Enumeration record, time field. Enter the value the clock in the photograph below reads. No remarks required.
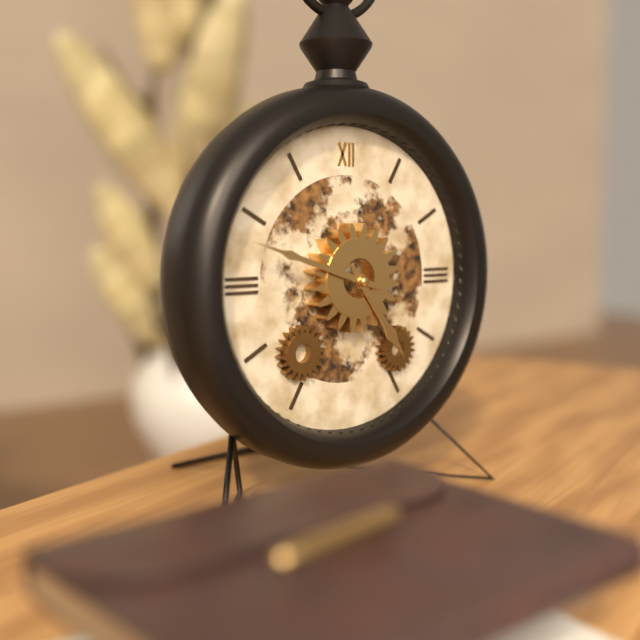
4:48
